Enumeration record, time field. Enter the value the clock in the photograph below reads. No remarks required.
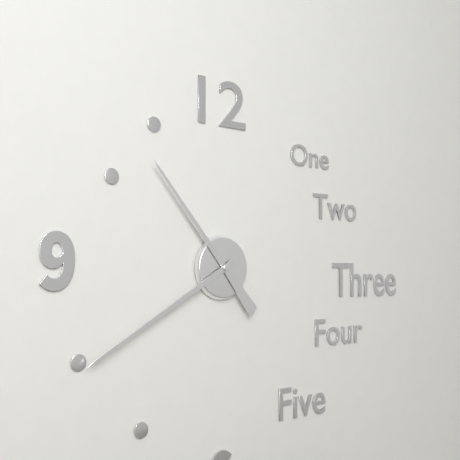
10:40
